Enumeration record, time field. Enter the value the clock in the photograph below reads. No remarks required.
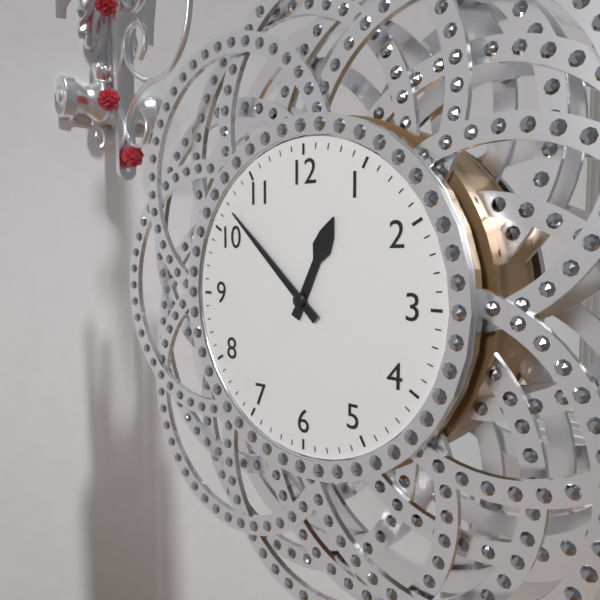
12:52
